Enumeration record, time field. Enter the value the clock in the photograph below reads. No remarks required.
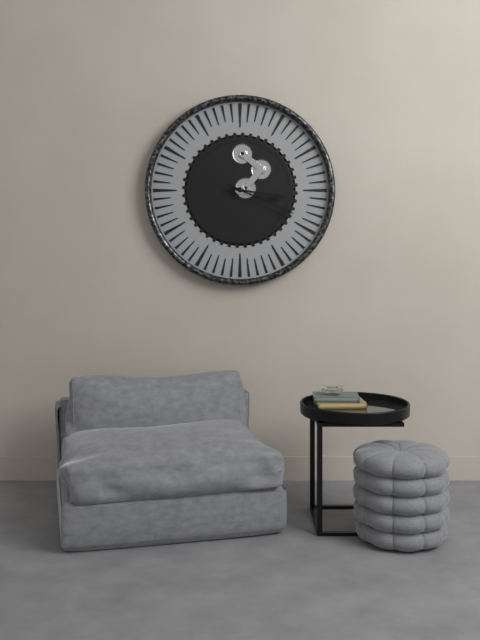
3:19
